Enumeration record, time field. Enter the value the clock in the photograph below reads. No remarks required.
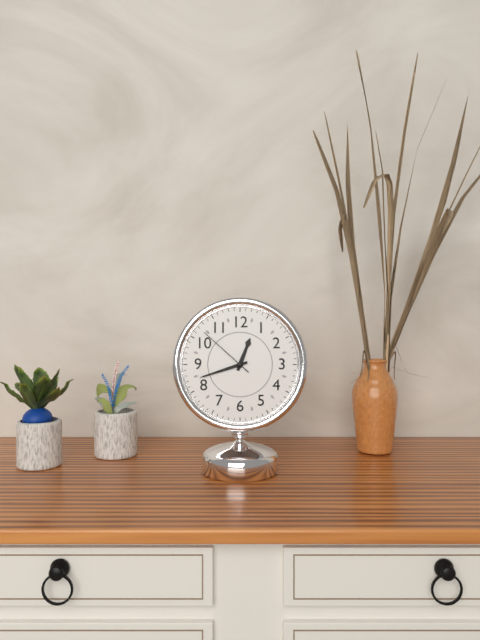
12:42:52
